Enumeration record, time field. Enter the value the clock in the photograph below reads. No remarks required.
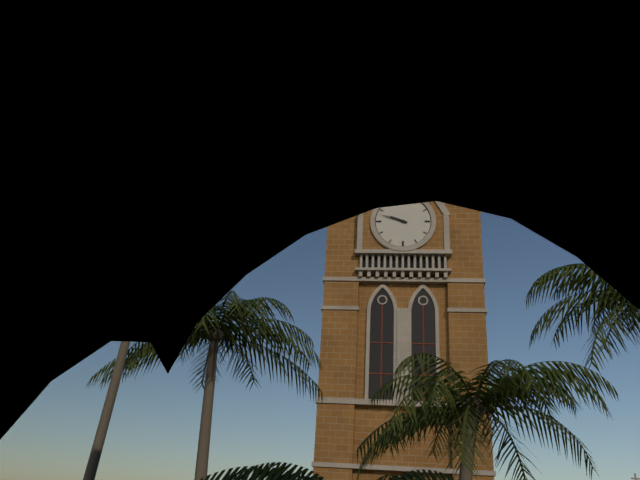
9:48
